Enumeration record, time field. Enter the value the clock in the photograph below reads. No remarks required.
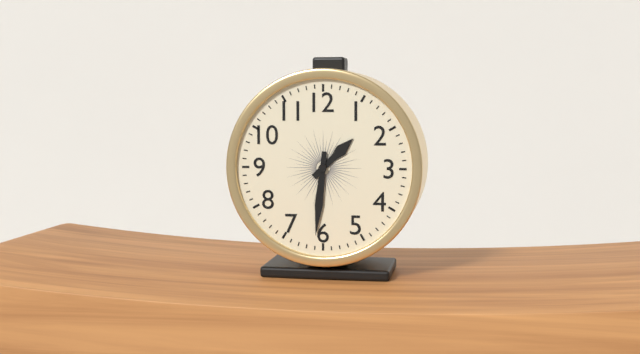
1:31
